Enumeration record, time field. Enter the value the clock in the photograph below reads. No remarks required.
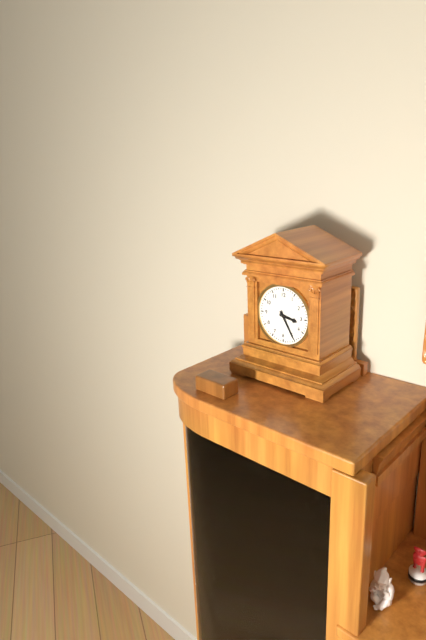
3:25
